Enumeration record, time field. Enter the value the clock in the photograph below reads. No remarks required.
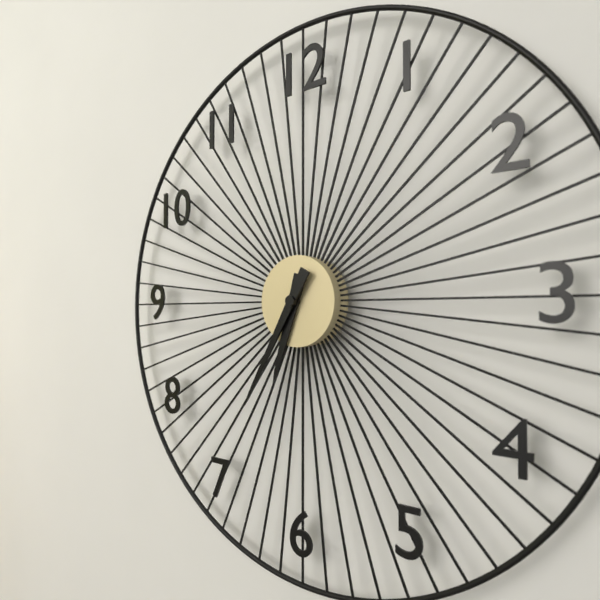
6:35
